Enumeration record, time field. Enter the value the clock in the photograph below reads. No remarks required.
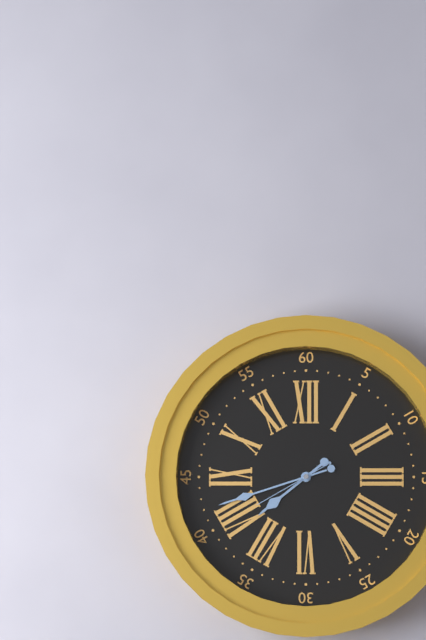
7:42:40
